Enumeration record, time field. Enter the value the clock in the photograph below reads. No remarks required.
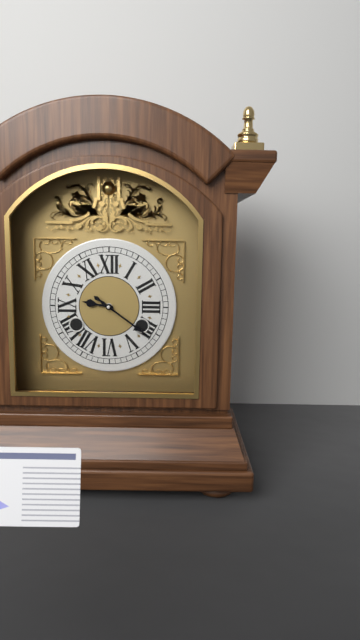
9:21
